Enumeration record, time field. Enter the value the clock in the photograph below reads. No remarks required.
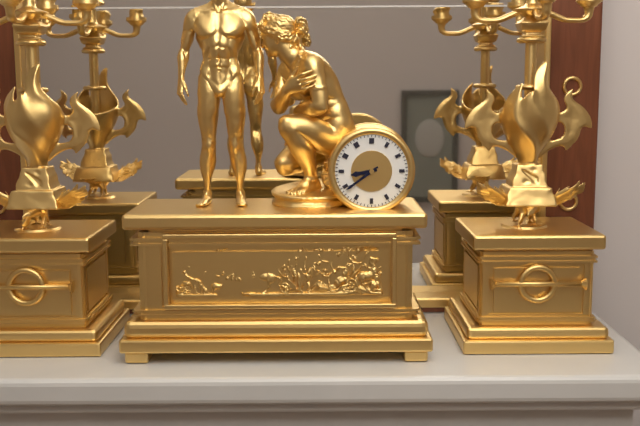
8:39
